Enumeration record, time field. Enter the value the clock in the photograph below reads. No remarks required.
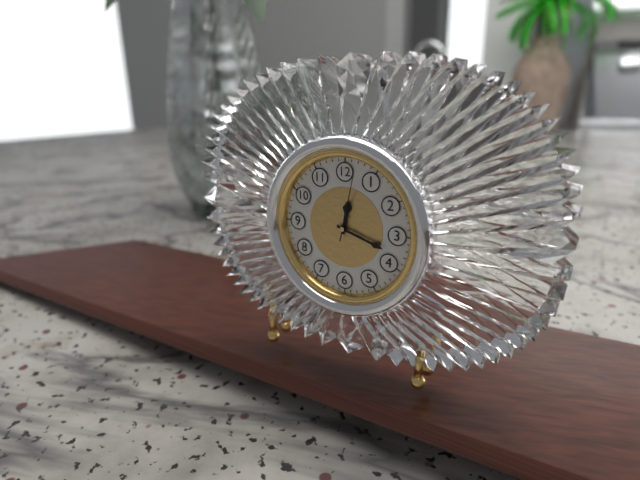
12:18:02
